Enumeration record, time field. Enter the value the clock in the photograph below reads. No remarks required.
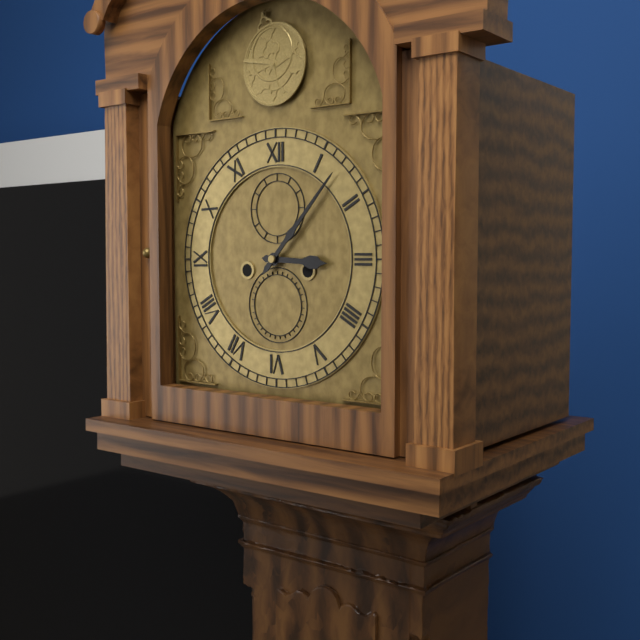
3:07
